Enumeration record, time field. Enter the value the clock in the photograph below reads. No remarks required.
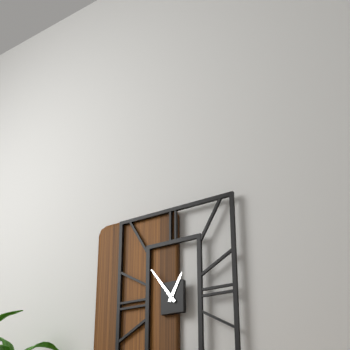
12:54
